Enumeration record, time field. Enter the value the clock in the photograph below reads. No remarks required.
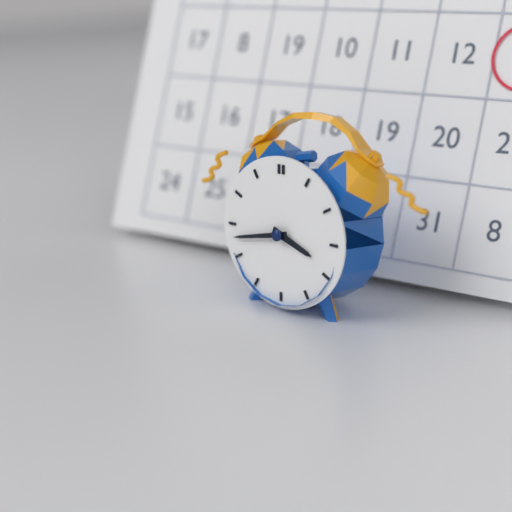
3:43
